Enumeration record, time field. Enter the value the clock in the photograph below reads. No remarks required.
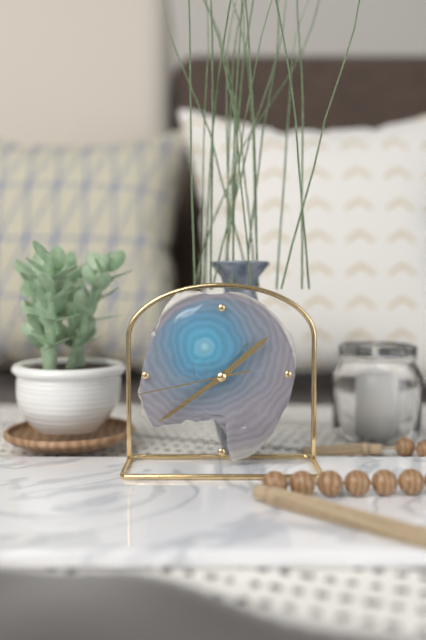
1:39:43
